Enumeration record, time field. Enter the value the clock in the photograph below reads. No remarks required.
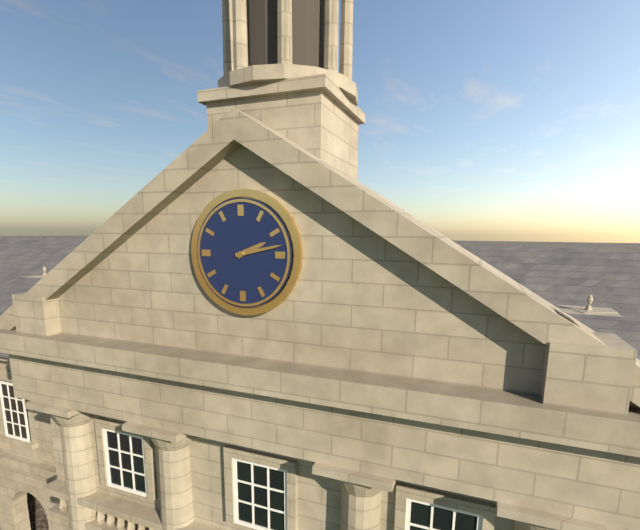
2:13
